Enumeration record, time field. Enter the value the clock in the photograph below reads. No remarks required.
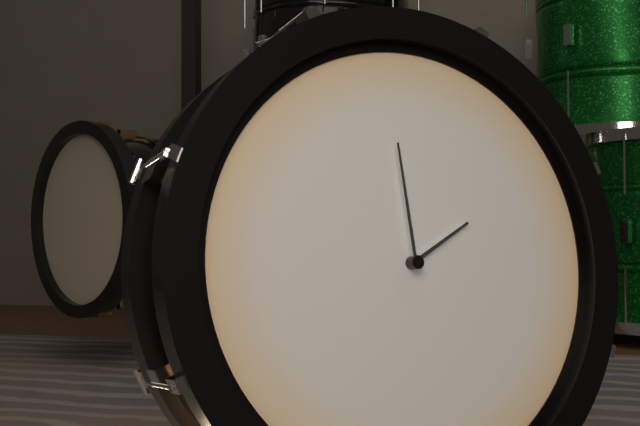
1:59
